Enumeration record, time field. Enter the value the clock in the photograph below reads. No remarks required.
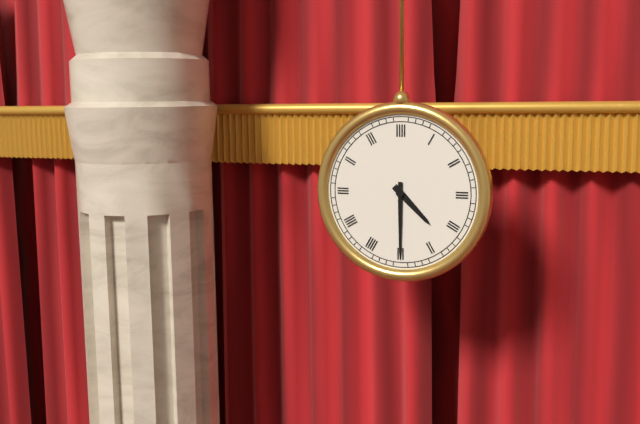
4:30
